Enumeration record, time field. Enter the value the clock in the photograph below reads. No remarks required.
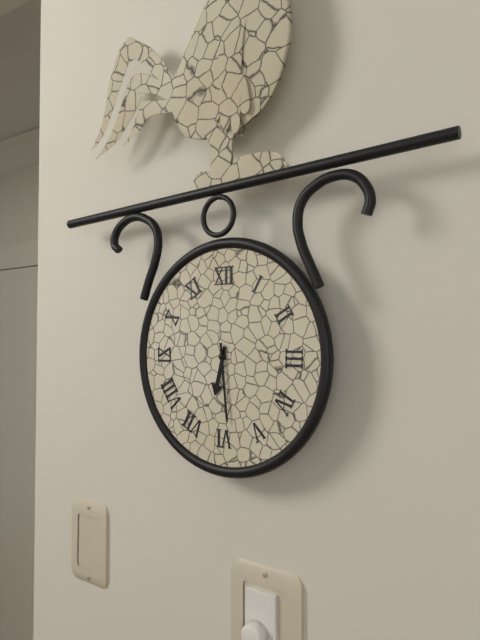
6:29
